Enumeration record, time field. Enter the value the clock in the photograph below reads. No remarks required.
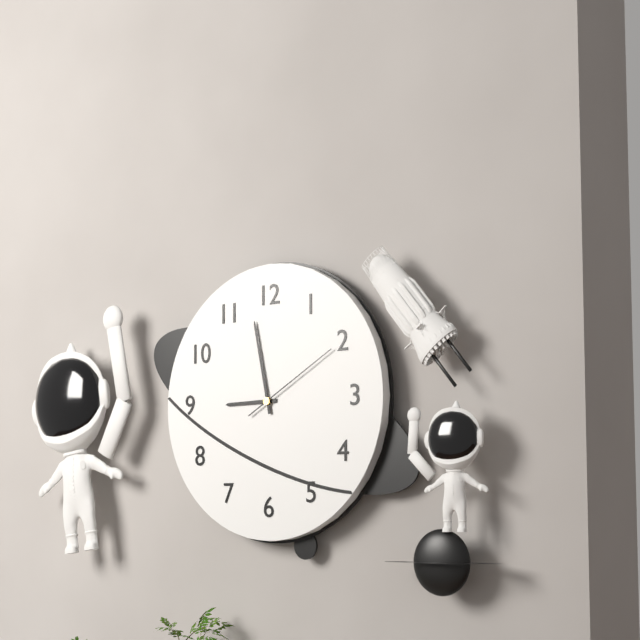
8:58:10
